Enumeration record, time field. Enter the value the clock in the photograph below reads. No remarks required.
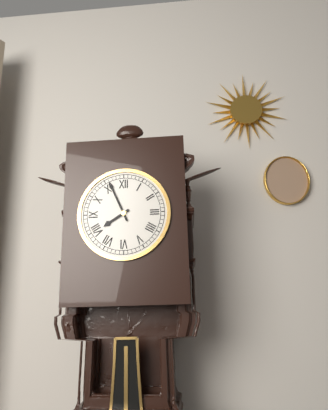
7:56
